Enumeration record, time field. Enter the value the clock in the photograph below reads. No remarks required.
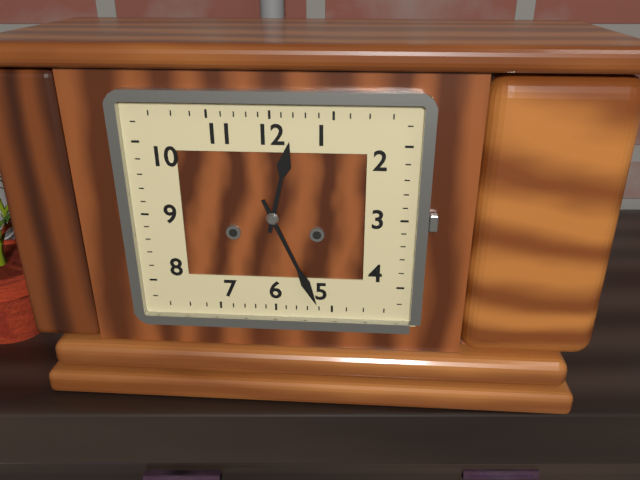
12:26
